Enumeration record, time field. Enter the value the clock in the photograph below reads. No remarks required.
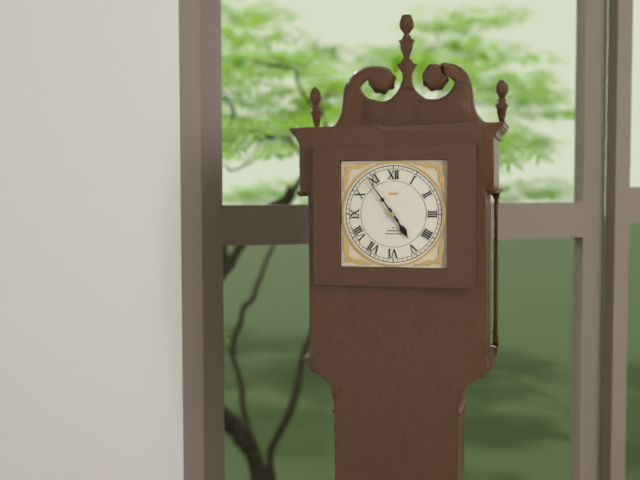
4:54
